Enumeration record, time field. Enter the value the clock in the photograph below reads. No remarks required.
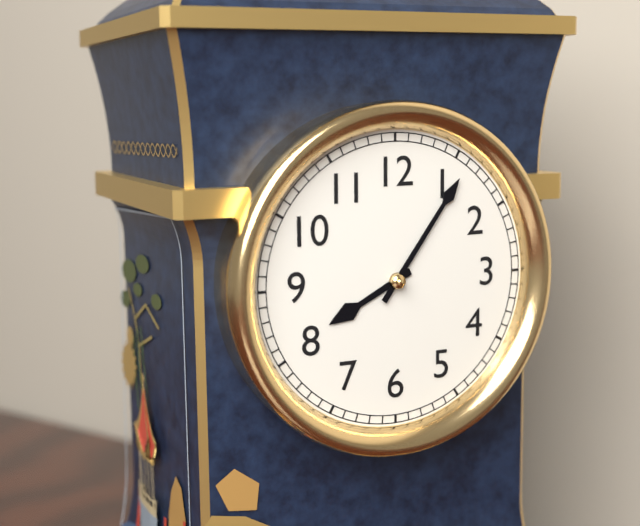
8:06
